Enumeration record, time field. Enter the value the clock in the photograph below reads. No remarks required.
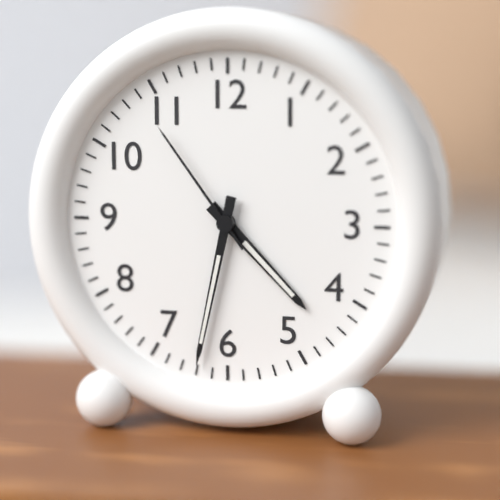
4:32:54
